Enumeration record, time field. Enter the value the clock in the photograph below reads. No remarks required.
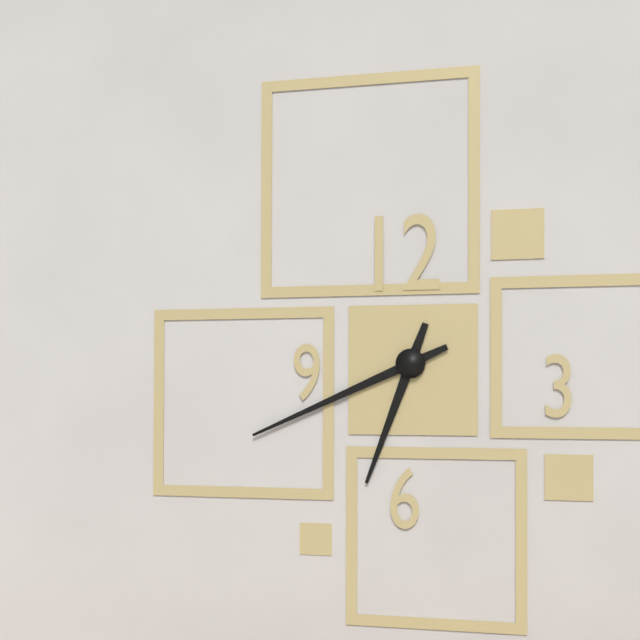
6:41
